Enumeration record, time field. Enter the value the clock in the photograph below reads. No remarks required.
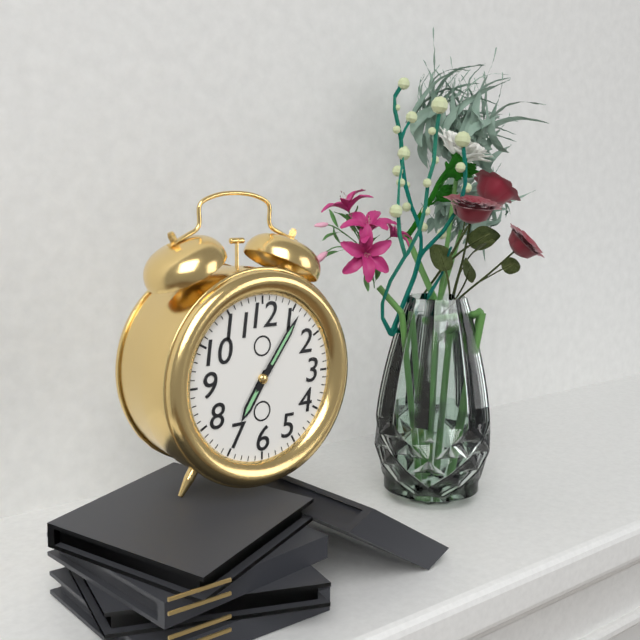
7:06
